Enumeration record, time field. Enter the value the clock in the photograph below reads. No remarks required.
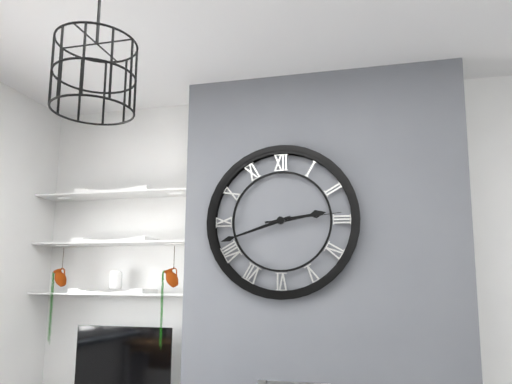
2:42:14
